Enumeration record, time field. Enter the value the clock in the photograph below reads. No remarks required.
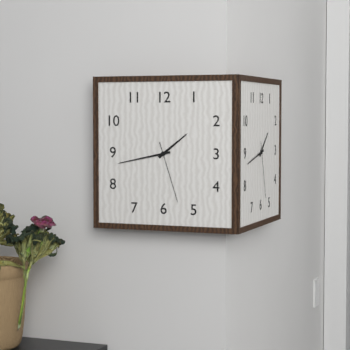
1:43:27
